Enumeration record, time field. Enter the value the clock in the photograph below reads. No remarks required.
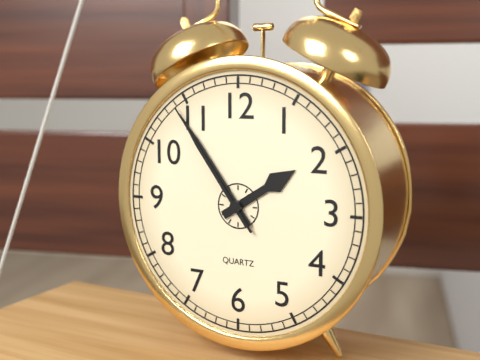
1:54:54
